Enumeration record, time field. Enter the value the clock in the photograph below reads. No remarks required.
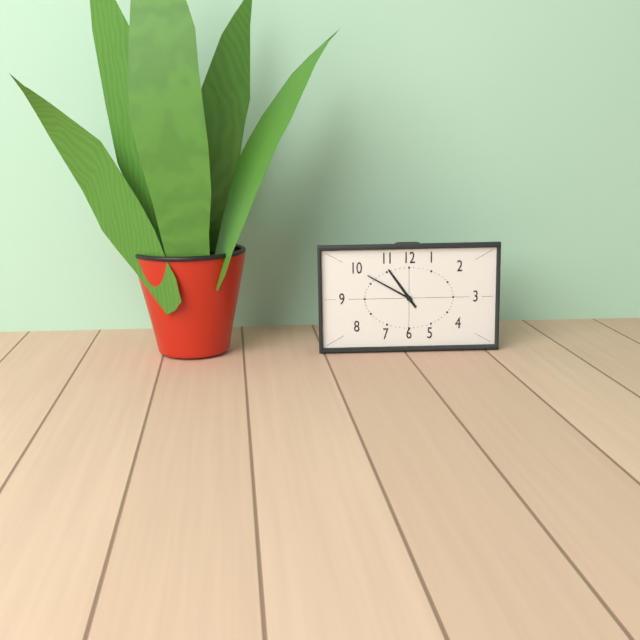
10:50
